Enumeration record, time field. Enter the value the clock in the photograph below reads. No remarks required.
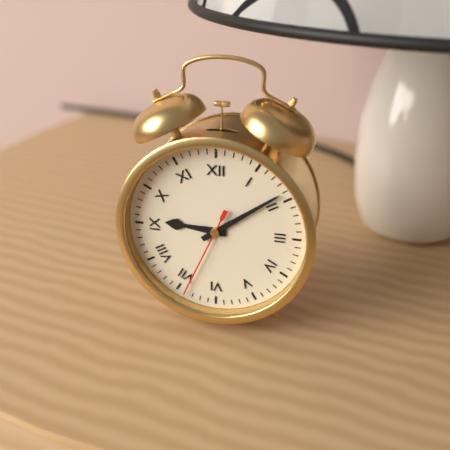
9:09:34
